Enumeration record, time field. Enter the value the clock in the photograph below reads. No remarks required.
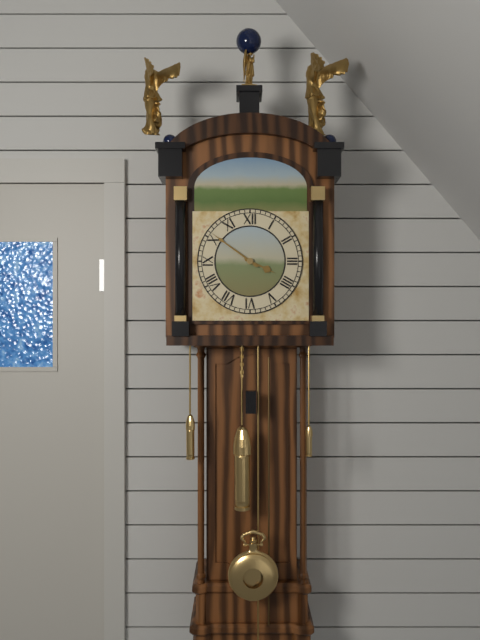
3:51
